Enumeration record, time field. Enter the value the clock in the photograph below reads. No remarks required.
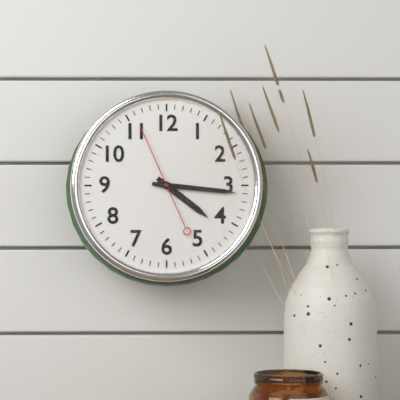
4:16:56
